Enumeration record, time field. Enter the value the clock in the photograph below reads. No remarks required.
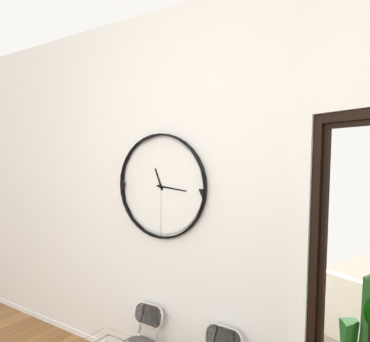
11:16
